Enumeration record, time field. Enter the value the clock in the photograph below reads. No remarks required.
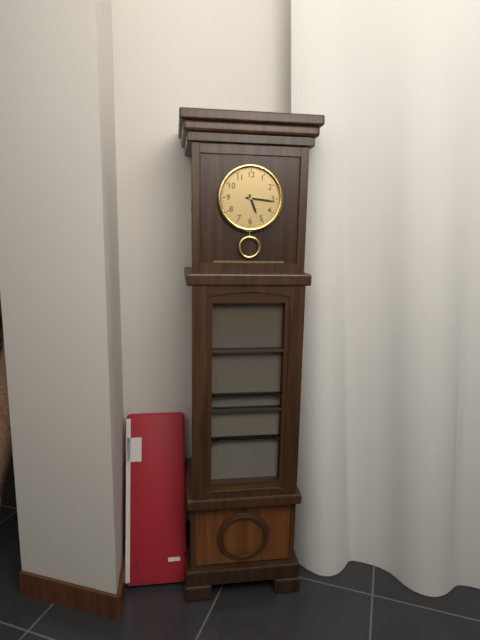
5:16
